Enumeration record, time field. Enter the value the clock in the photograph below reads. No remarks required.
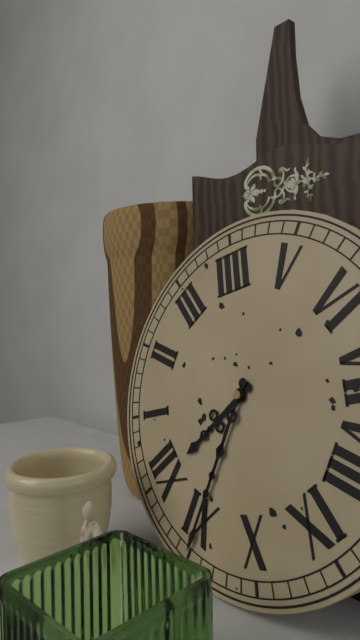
11:55
